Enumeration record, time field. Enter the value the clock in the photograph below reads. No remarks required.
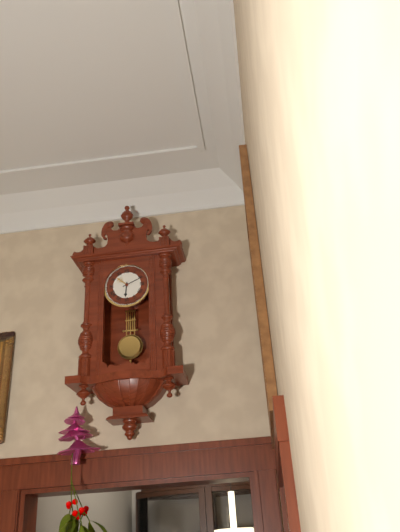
6:11
